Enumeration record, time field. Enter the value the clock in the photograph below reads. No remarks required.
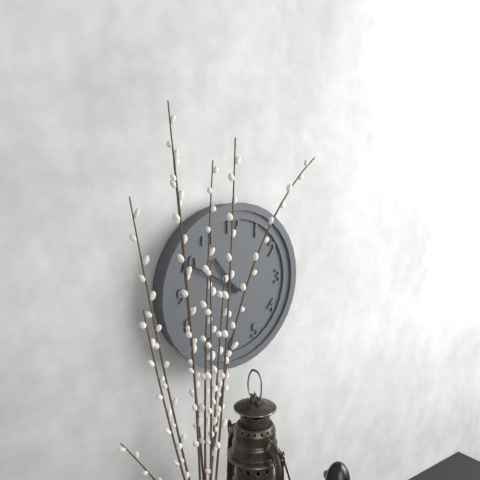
10:50
